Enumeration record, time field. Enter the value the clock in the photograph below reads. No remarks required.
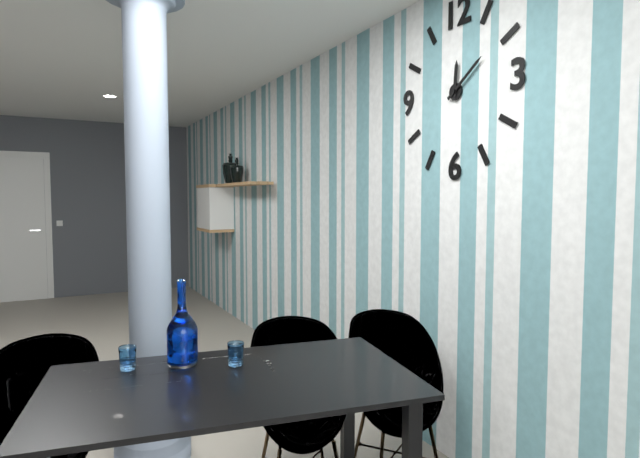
12:09
